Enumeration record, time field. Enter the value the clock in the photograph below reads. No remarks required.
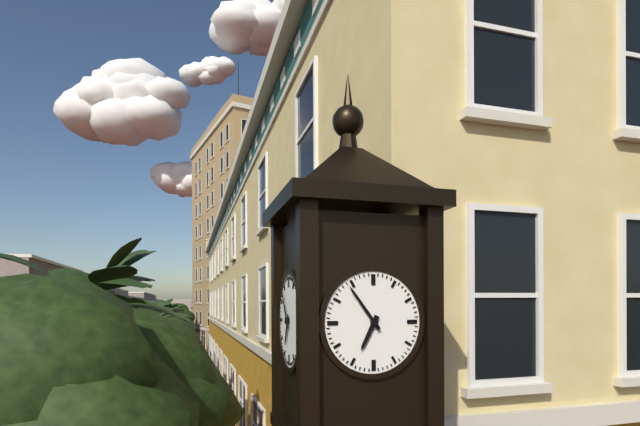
6:54
